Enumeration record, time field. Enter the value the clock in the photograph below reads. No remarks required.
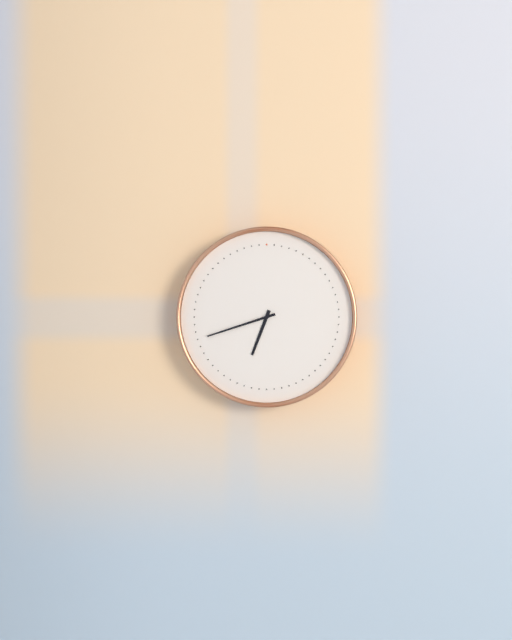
6:42
